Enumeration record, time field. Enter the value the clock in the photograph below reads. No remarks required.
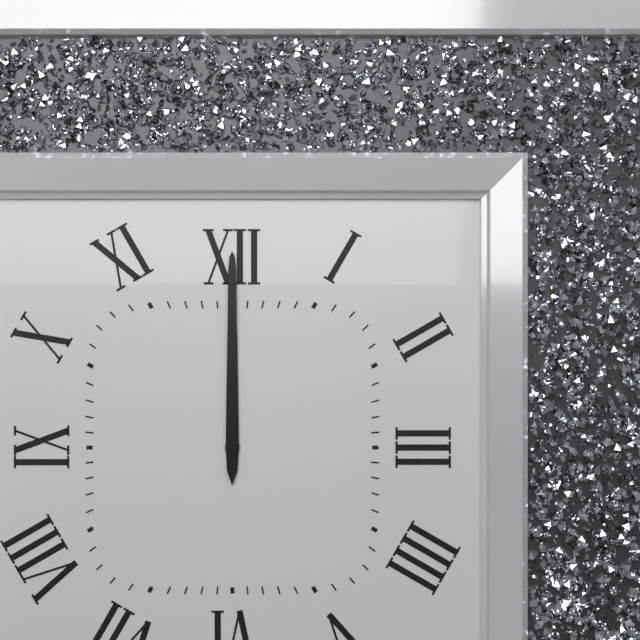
12:00
